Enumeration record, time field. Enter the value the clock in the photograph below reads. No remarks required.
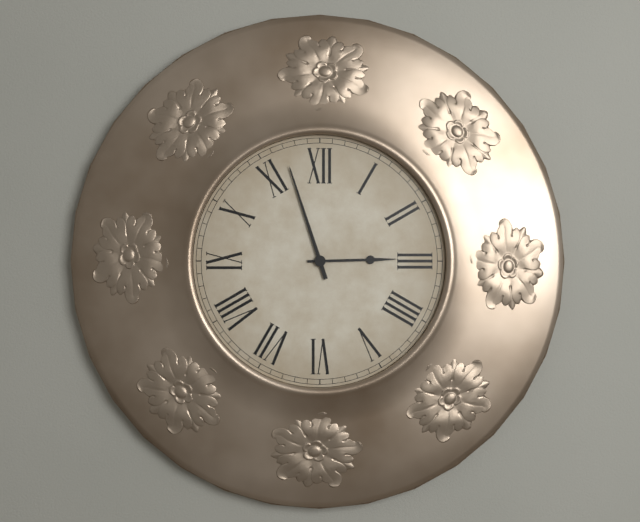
2:57
